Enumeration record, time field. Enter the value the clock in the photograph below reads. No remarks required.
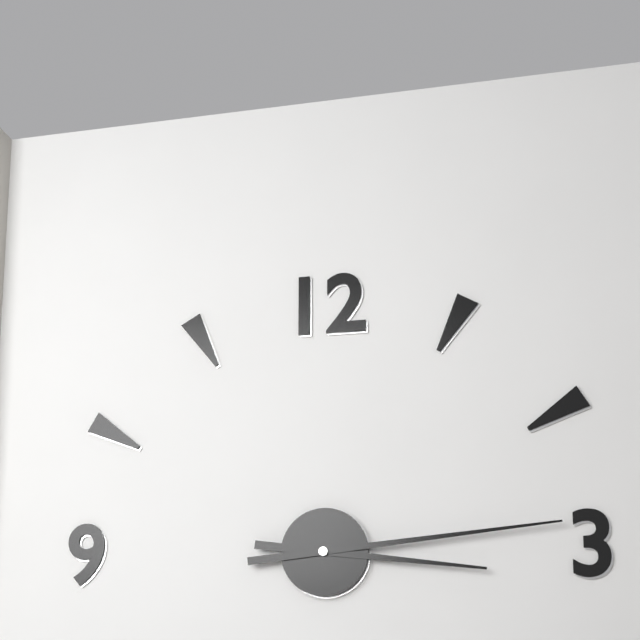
3:14
